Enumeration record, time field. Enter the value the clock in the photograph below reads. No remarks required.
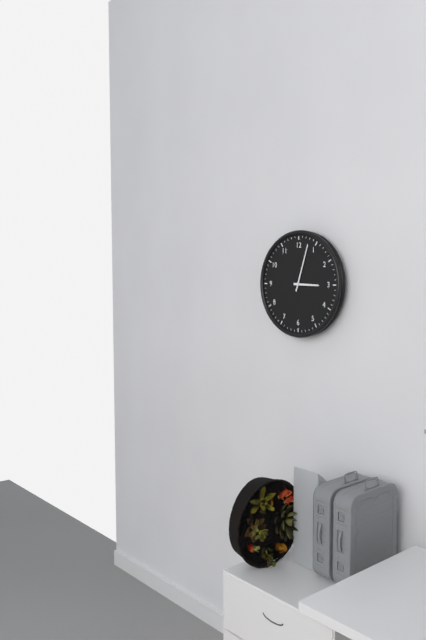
3:03
